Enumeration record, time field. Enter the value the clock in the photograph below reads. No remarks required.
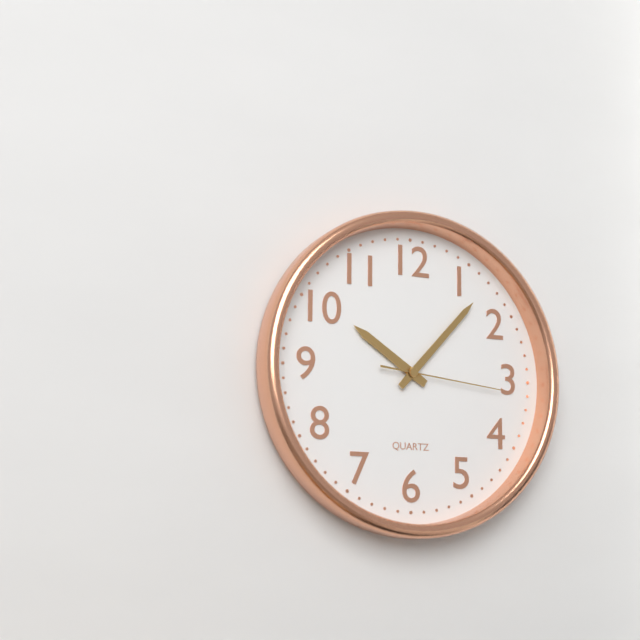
10:07:16
